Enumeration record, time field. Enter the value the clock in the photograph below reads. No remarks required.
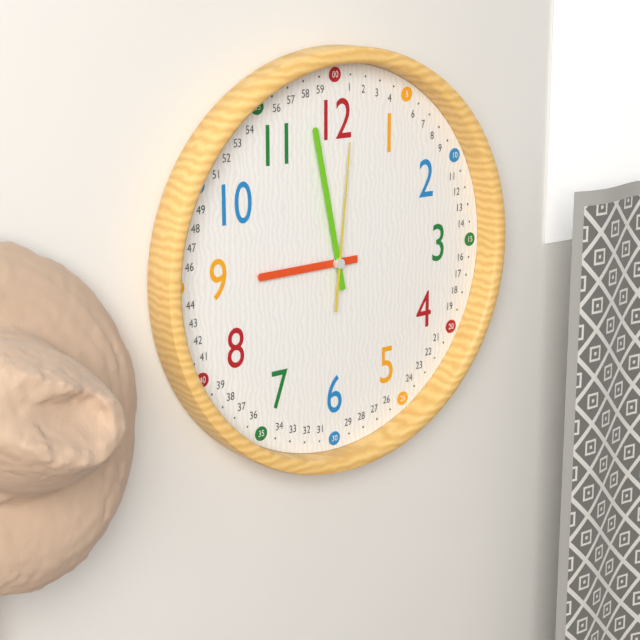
8:58:01
